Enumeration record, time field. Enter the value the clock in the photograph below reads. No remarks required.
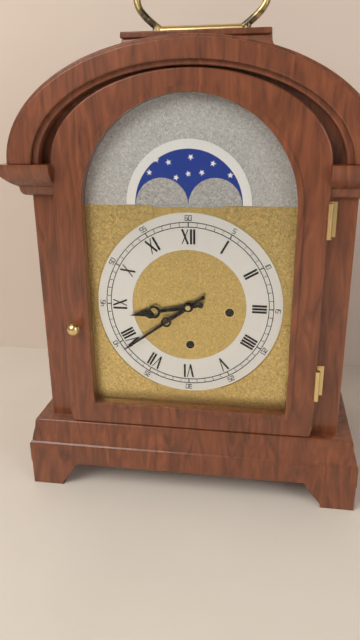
8:39
